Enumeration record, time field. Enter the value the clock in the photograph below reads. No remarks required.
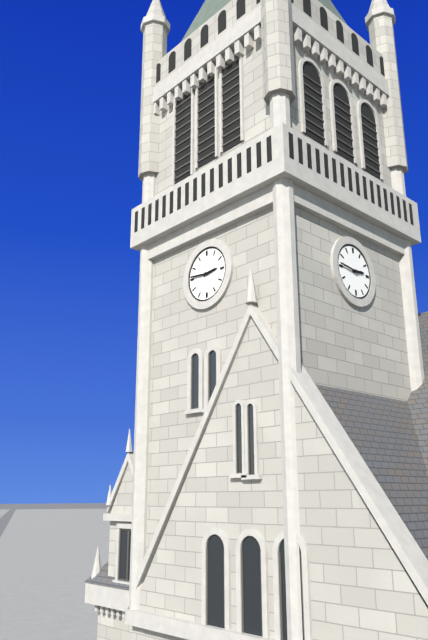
2:46
